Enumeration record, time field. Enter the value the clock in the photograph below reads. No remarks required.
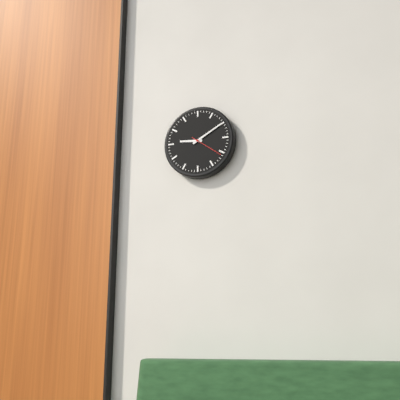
9:10
